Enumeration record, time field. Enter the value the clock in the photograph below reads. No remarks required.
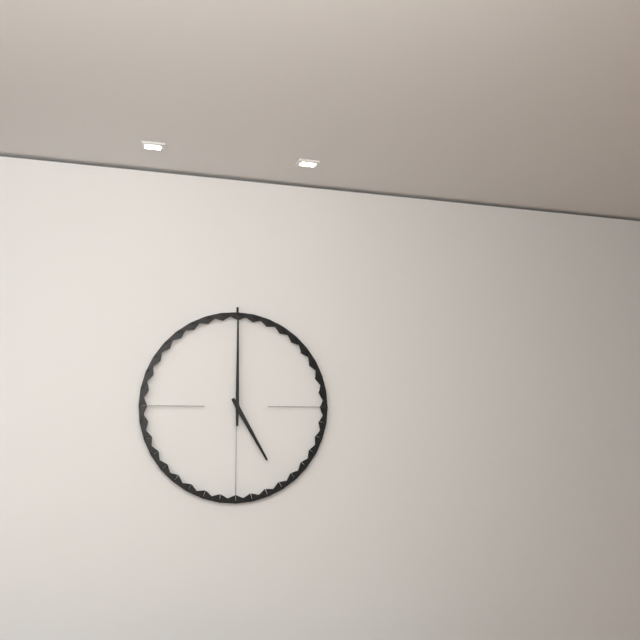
5:00
